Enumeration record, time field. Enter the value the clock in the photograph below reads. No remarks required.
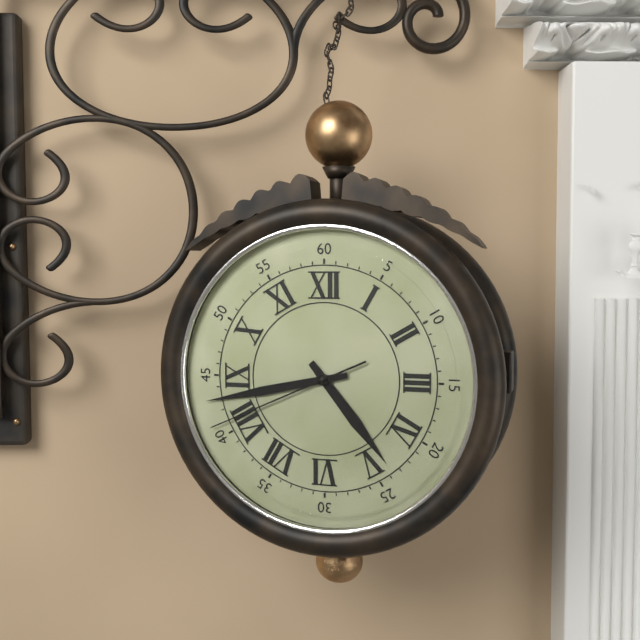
4:43:41
